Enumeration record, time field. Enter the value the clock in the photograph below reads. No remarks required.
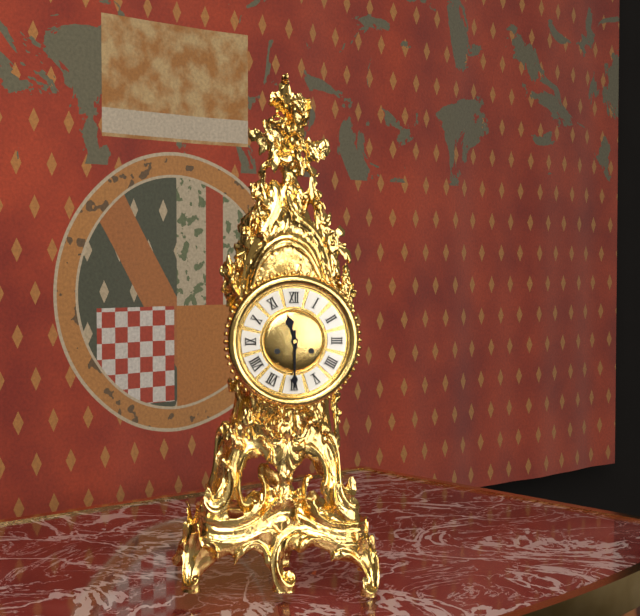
11:30
